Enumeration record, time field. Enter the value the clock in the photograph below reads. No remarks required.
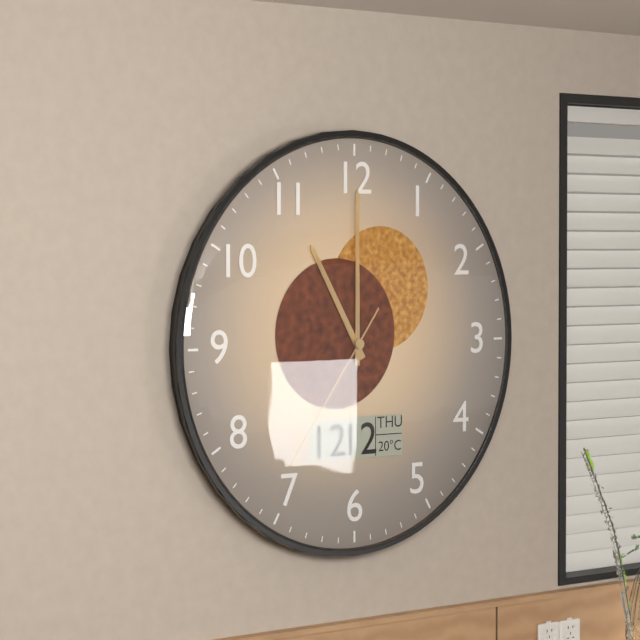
11:00:36
